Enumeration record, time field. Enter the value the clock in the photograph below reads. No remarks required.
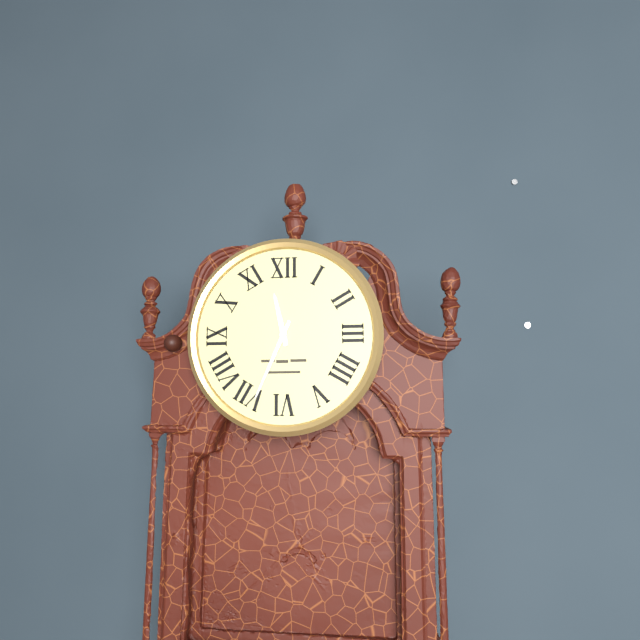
11:34
